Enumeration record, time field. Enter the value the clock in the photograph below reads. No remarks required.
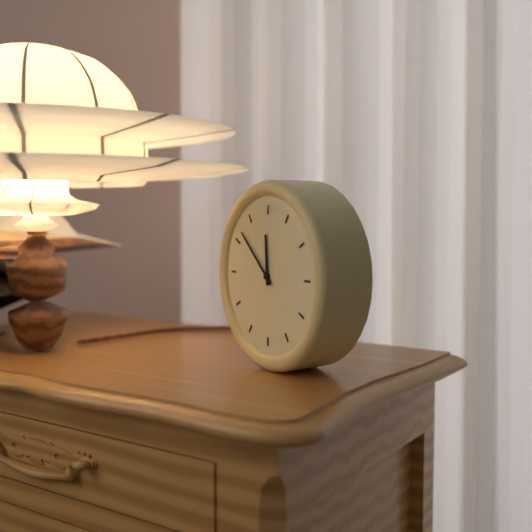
11:52
